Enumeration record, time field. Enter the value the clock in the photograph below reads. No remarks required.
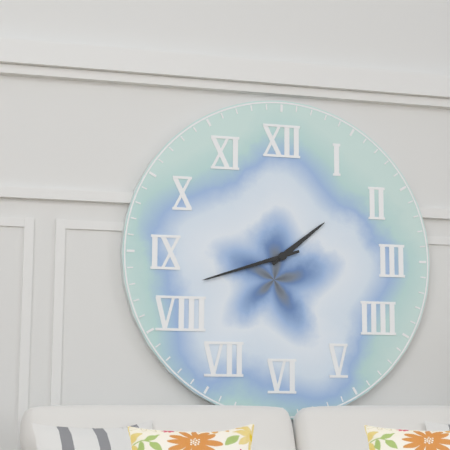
1:42
